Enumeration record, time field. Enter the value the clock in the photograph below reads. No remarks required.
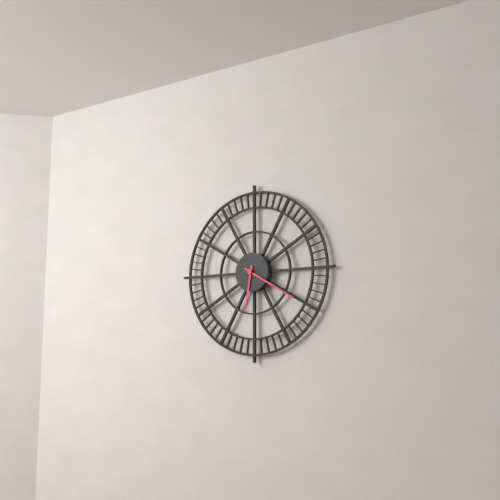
6:20
